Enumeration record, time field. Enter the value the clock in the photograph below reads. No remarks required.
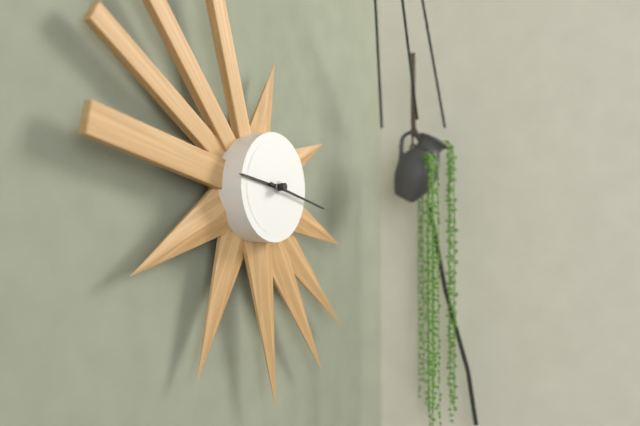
9:17
